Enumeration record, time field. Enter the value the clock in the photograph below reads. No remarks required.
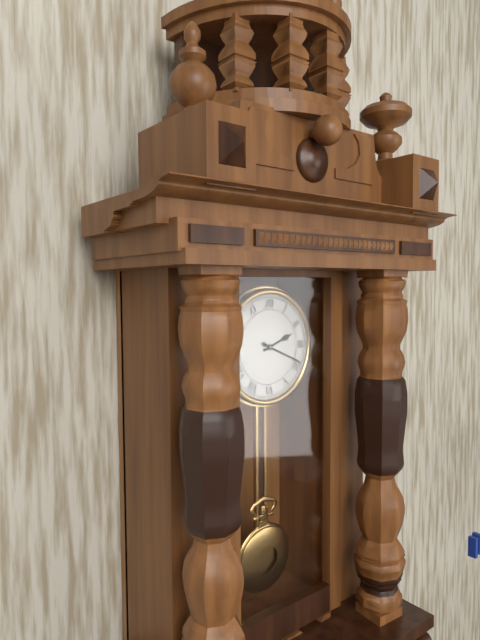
2:19
